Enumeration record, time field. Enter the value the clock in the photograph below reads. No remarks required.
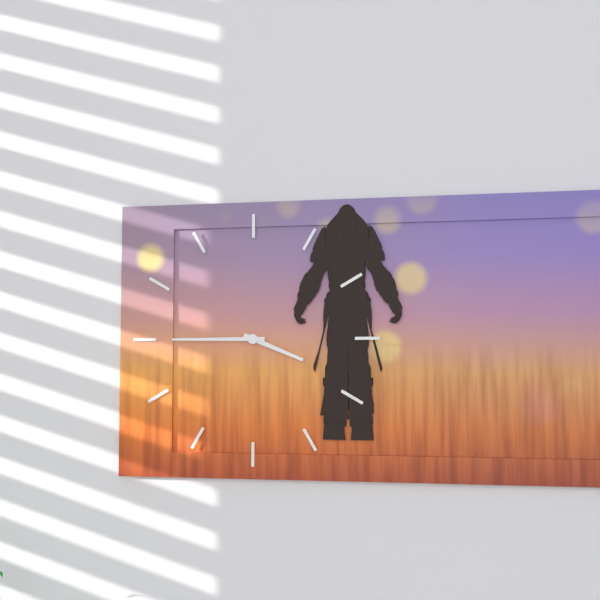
3:45
